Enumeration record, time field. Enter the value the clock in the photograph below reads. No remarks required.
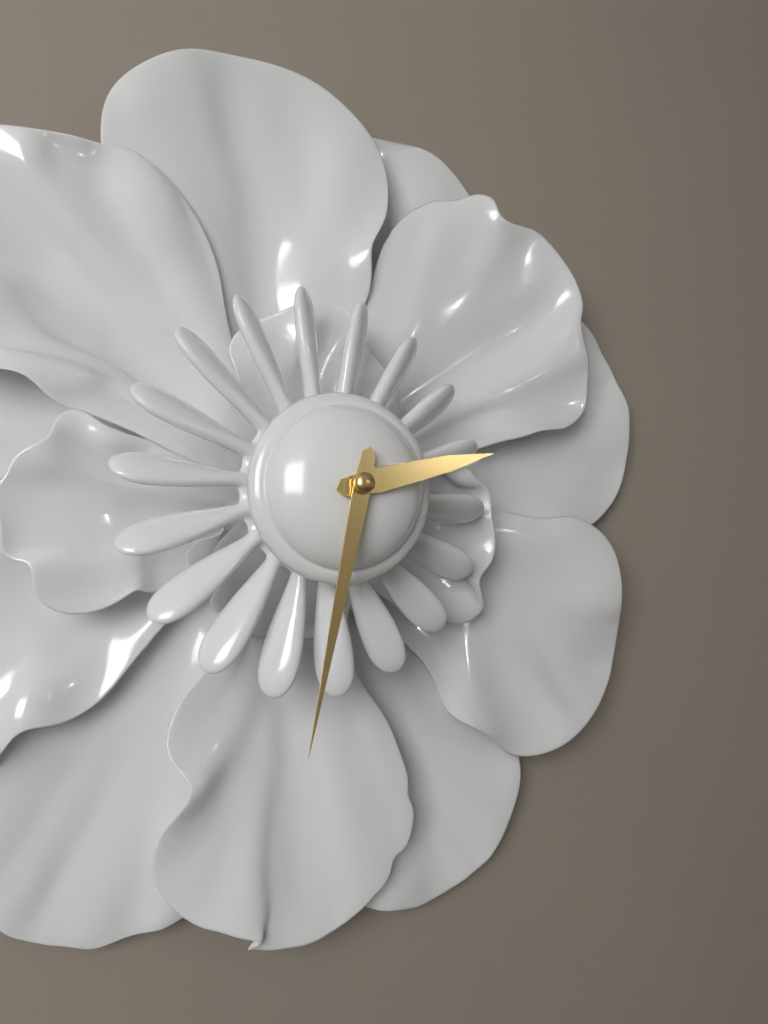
2:32
